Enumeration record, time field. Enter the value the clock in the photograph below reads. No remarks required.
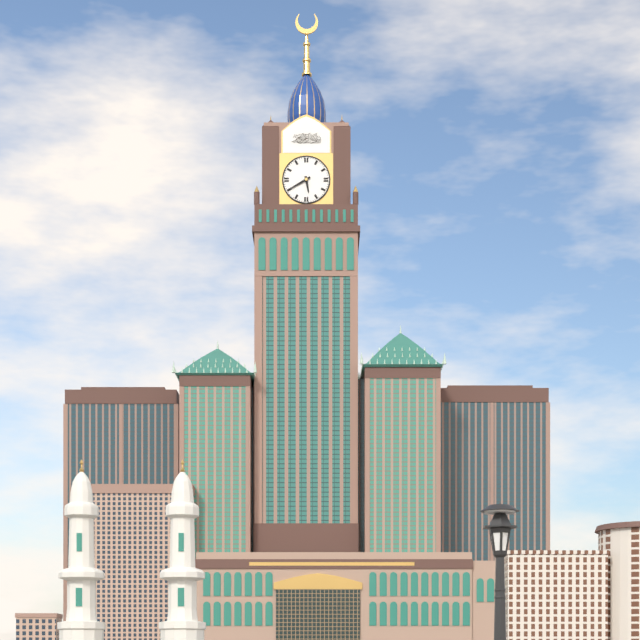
5:40
